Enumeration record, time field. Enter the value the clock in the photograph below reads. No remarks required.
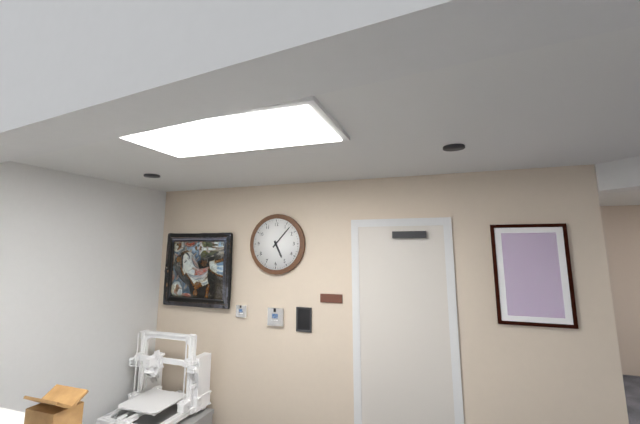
5:07
